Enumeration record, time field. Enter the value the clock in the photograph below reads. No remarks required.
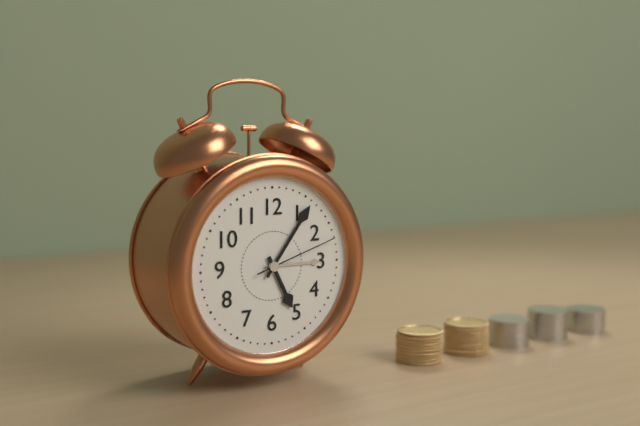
5:06:12
